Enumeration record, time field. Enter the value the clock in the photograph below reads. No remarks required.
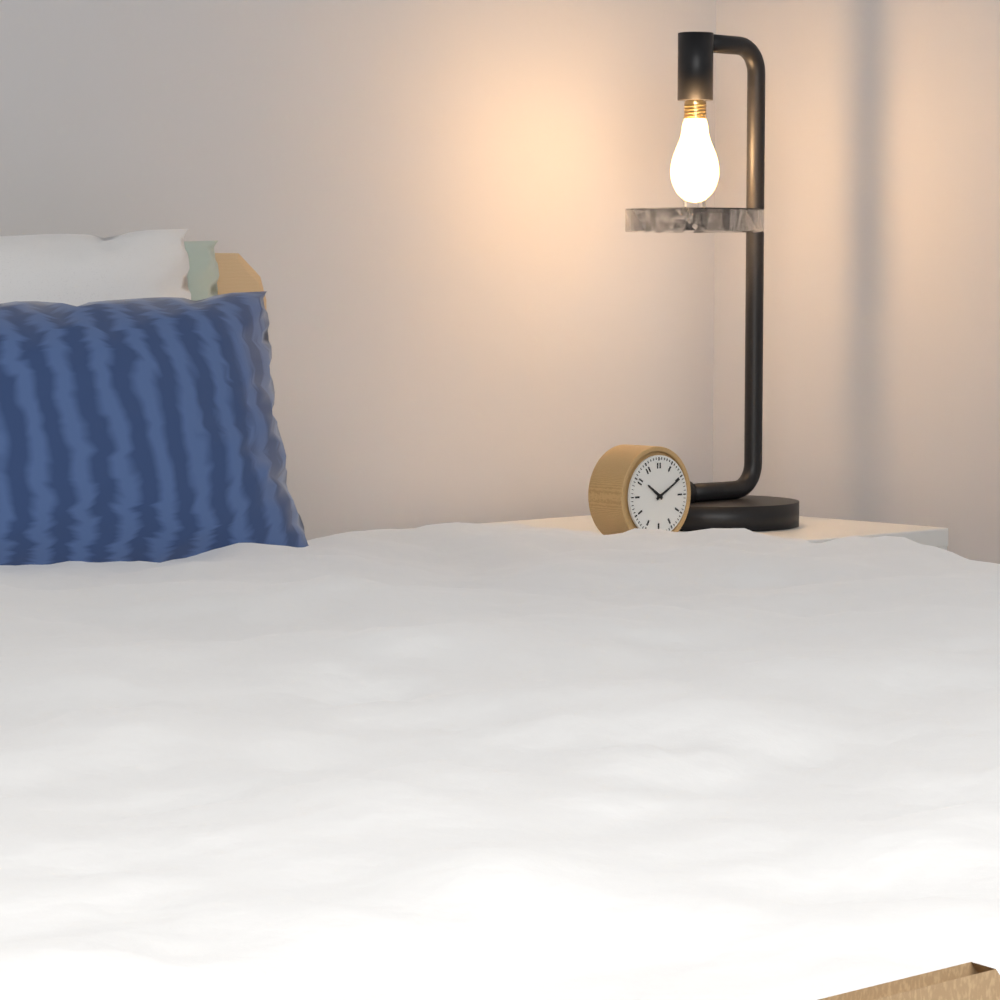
10:10
